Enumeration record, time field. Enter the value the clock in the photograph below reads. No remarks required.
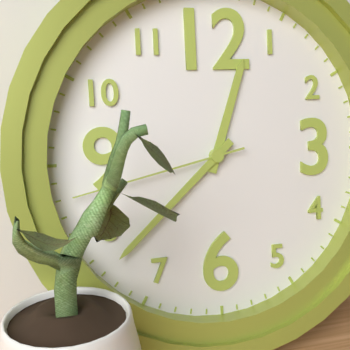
12:38:43
